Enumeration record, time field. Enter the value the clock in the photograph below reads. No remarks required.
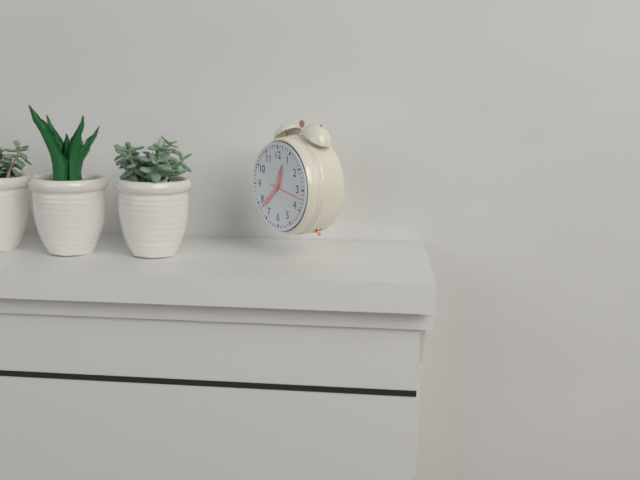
12:38
